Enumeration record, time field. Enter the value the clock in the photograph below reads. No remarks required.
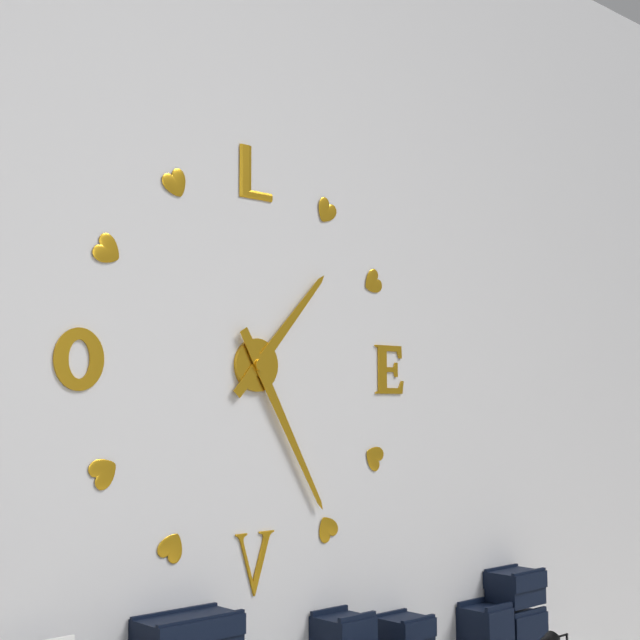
1:25
